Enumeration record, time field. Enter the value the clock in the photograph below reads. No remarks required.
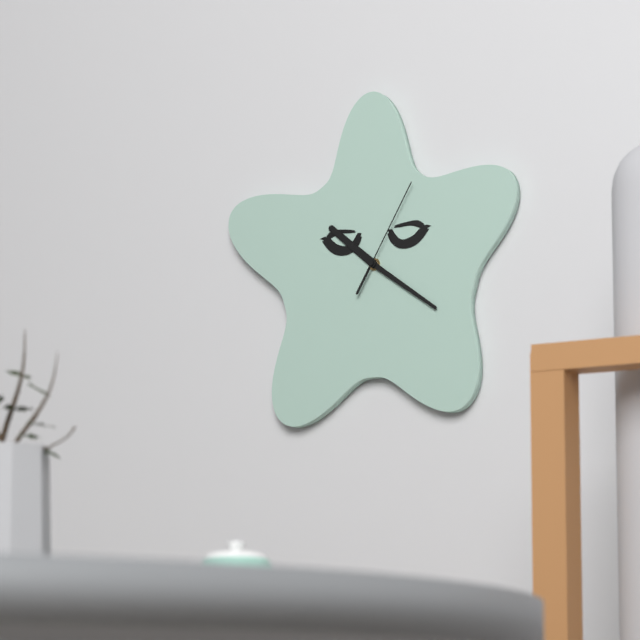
10:21:05
